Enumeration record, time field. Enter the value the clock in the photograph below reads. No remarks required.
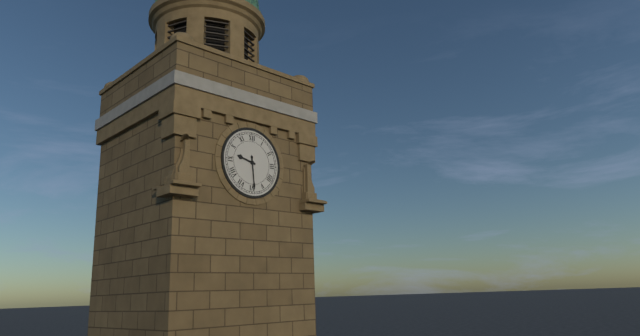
9:29
